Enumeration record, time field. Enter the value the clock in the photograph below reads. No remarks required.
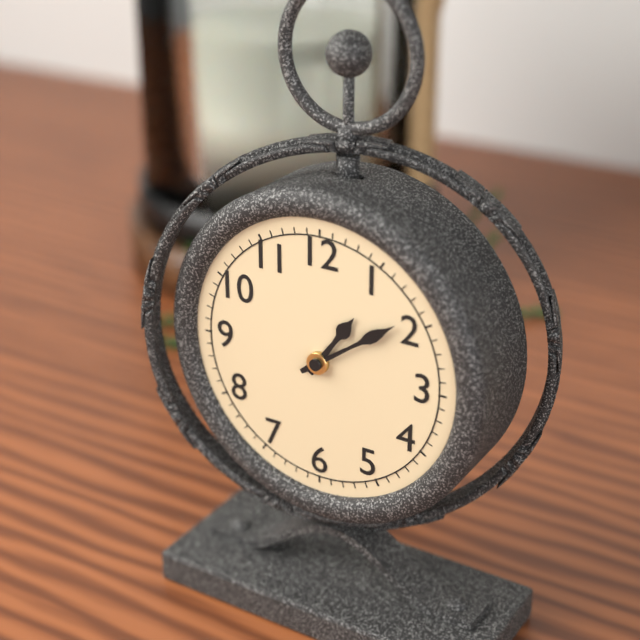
1:09
